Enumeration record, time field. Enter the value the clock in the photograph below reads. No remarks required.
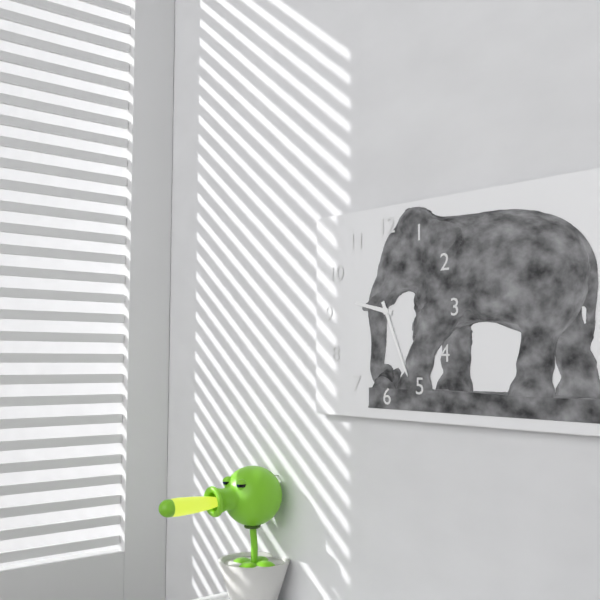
9:26
